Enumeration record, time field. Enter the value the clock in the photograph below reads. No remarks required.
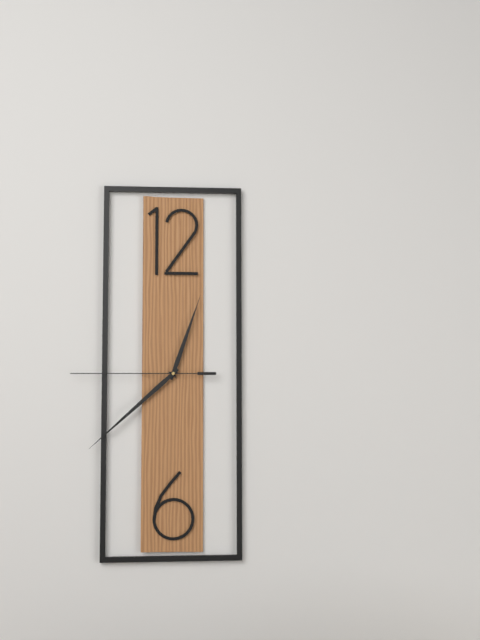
12:38:45
